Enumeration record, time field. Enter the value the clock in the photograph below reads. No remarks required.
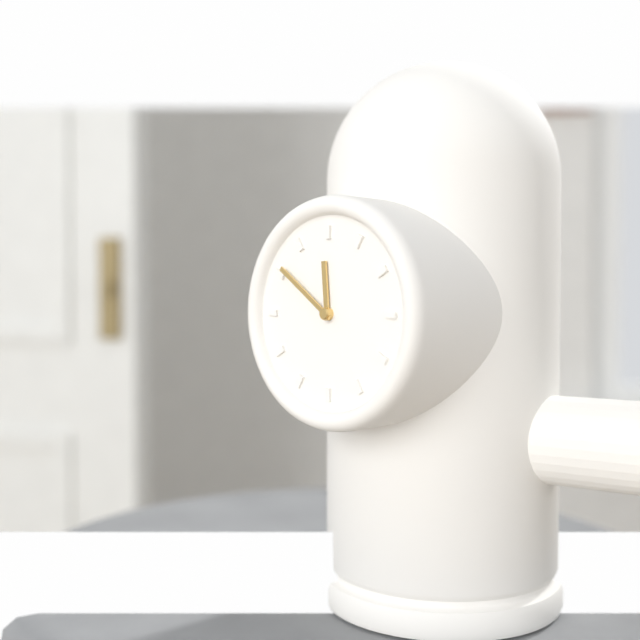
11:51
